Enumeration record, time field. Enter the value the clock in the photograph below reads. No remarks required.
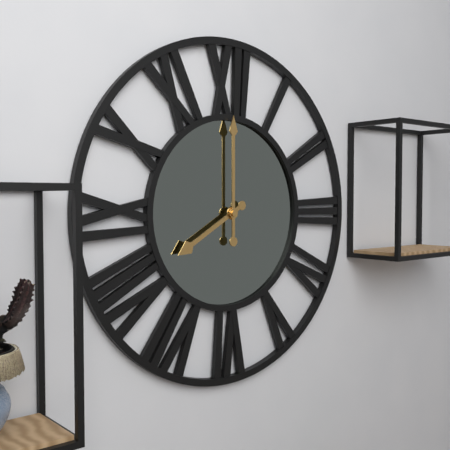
8:00
